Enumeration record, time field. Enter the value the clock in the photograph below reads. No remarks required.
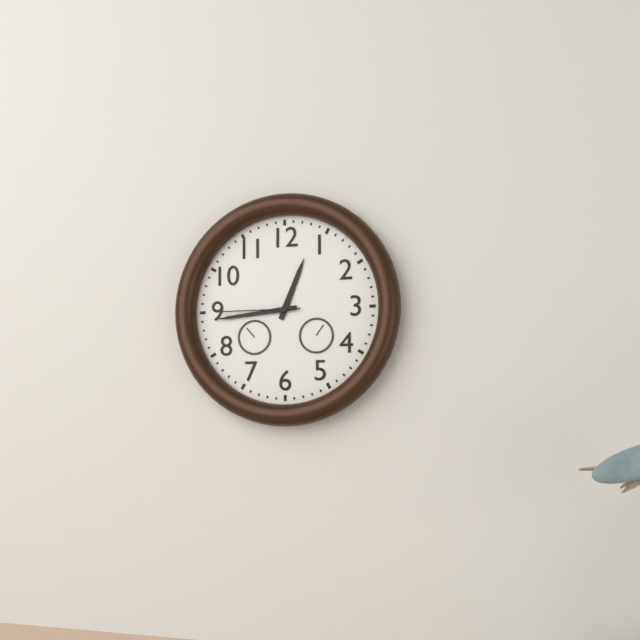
12:44:45
